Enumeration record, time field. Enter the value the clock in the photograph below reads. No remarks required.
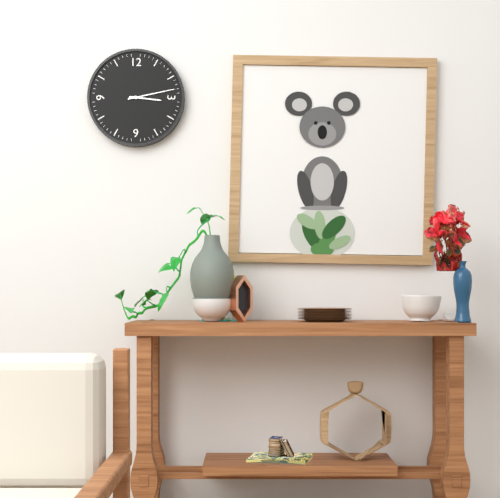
3:13
